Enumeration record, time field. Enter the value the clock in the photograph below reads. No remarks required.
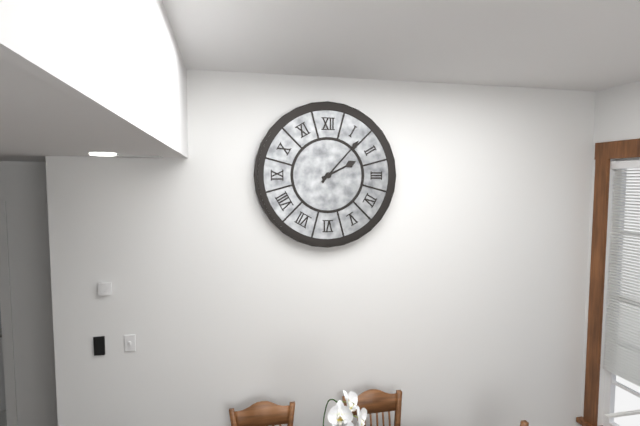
2:07
